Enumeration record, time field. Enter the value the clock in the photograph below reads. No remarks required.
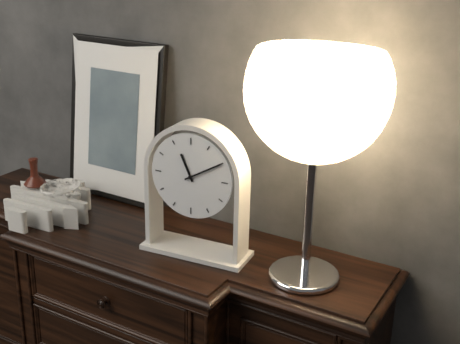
11:10
